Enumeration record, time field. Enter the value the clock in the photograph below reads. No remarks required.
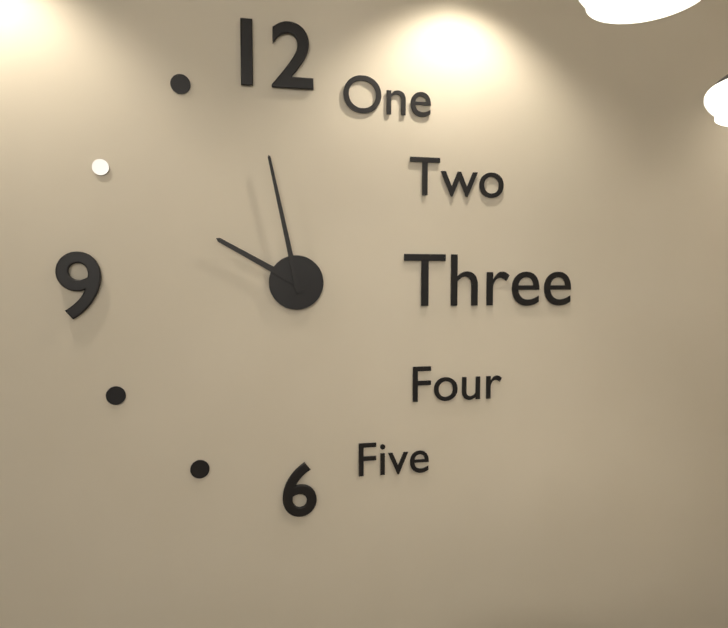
9:58
